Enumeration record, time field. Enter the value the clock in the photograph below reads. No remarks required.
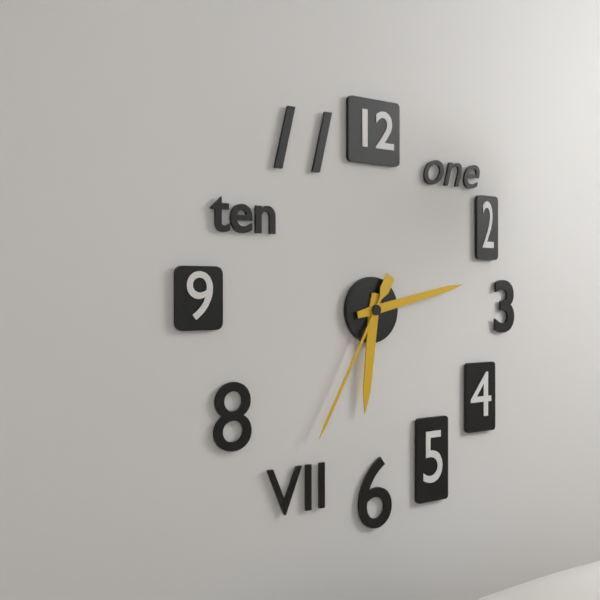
6:13:35
